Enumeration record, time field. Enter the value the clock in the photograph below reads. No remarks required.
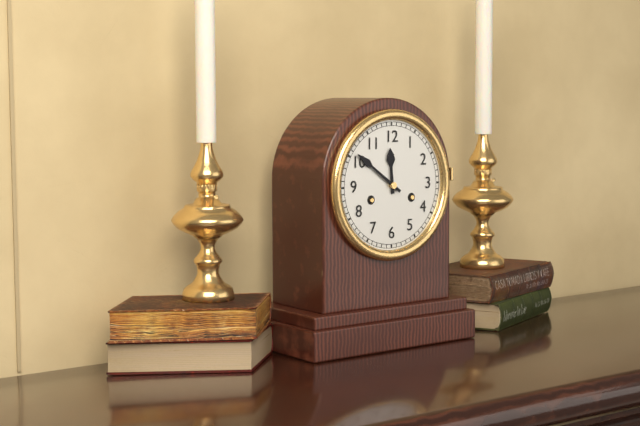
11:51
